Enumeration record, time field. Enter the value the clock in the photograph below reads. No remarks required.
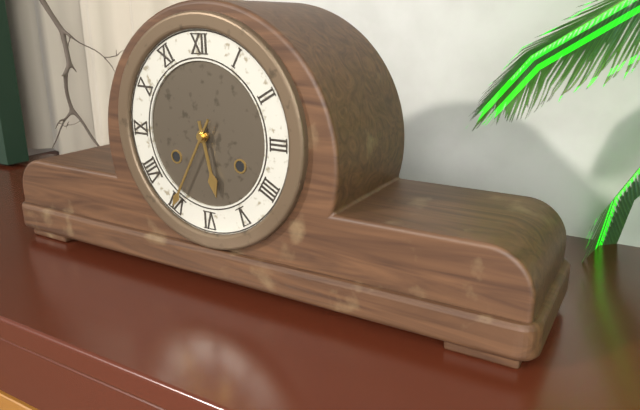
5:35
